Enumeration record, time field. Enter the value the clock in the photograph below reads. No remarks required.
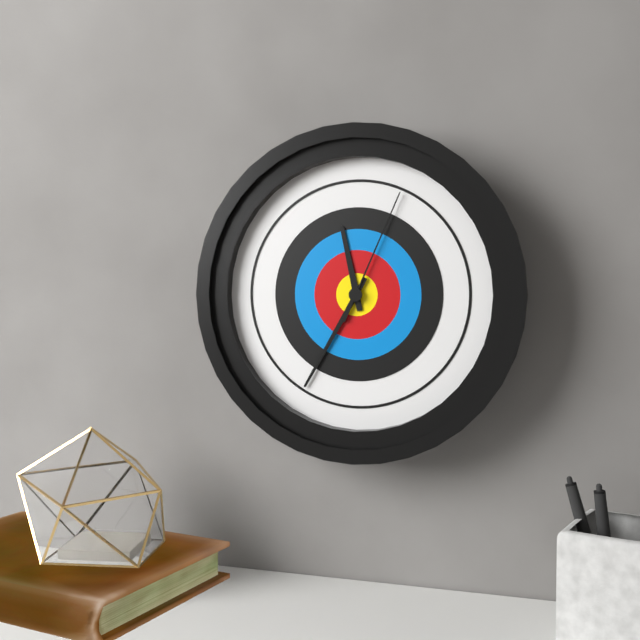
11:35:04
